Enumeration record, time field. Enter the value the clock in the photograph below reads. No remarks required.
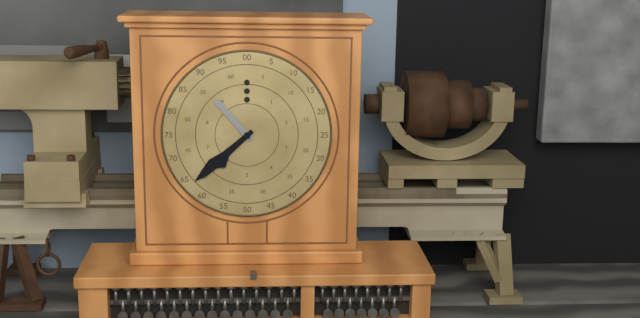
10:38
